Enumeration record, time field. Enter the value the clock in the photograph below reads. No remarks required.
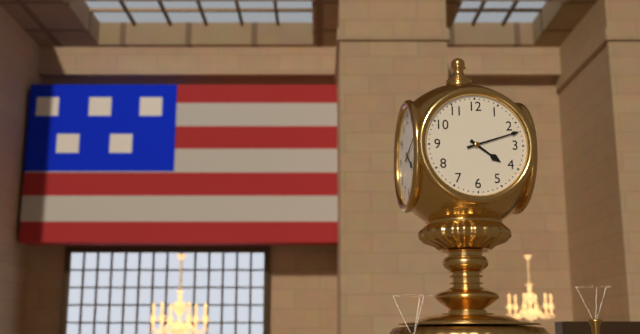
4:12
